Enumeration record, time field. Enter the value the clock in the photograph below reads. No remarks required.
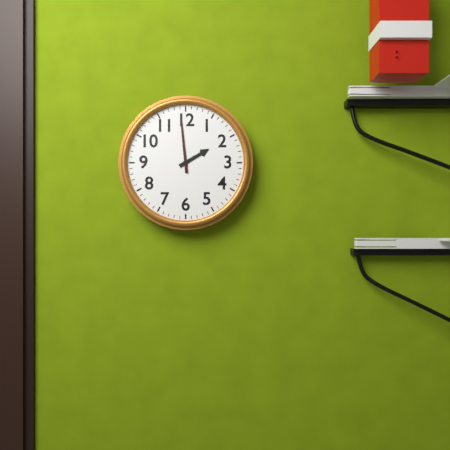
1:59
